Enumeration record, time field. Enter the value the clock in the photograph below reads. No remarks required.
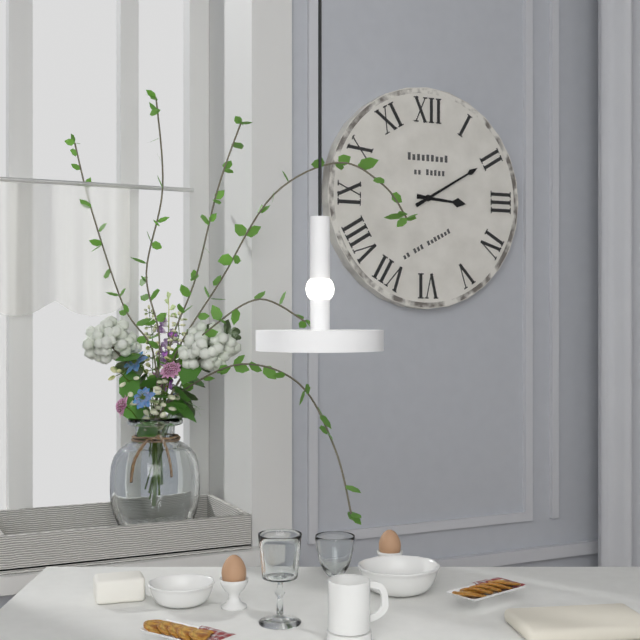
3:10
